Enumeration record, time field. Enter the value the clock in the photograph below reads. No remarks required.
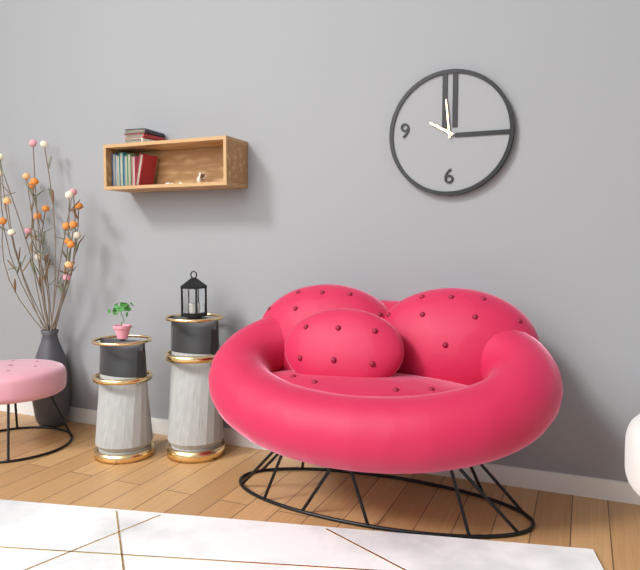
9:59
